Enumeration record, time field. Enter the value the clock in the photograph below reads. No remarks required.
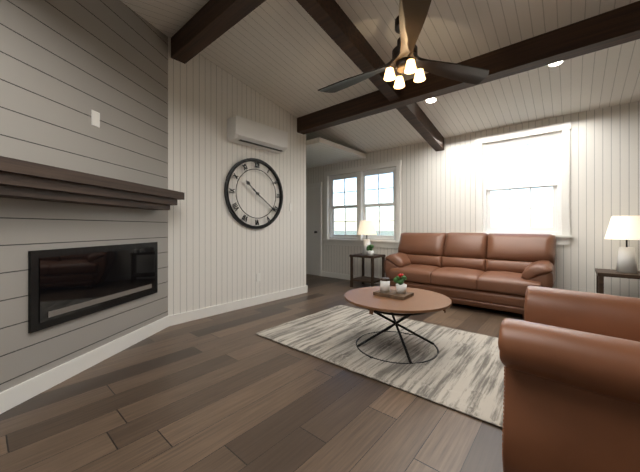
10:21
